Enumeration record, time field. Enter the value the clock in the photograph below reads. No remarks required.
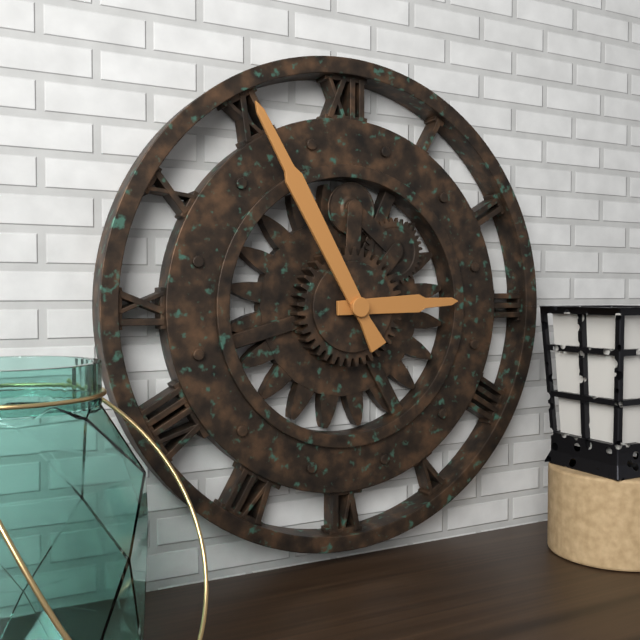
2:55
